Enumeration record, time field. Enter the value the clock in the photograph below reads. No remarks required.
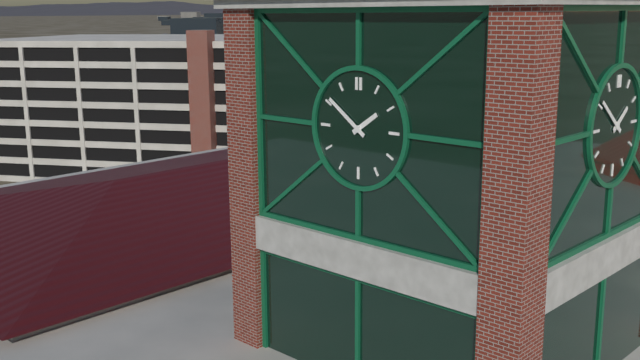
1:51
